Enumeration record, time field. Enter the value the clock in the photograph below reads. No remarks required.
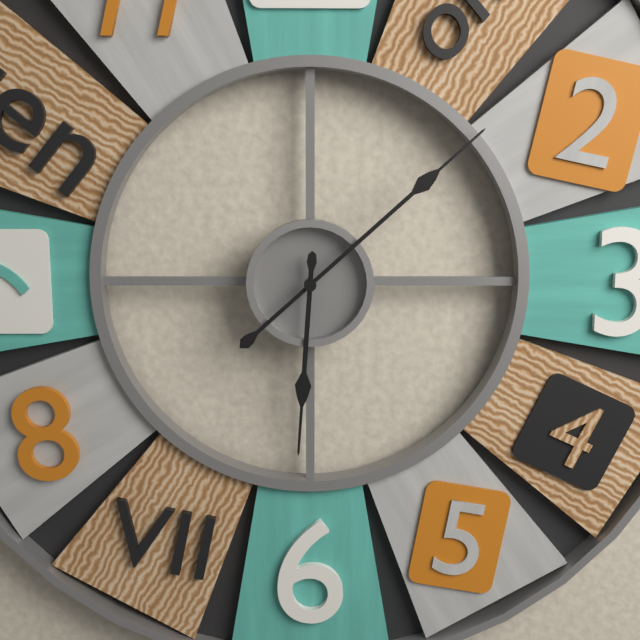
6:08
